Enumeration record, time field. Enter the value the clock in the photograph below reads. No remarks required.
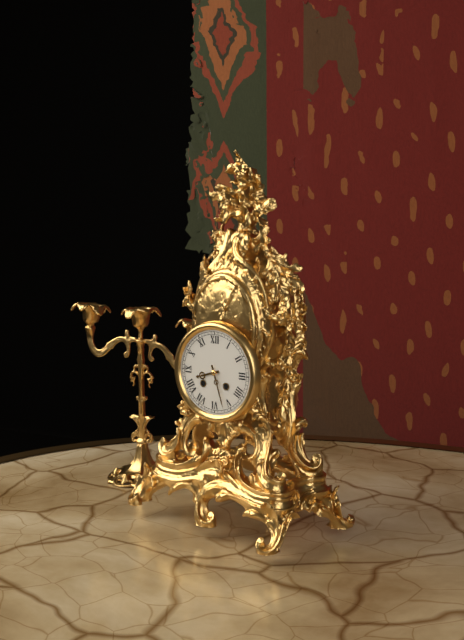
8:27
